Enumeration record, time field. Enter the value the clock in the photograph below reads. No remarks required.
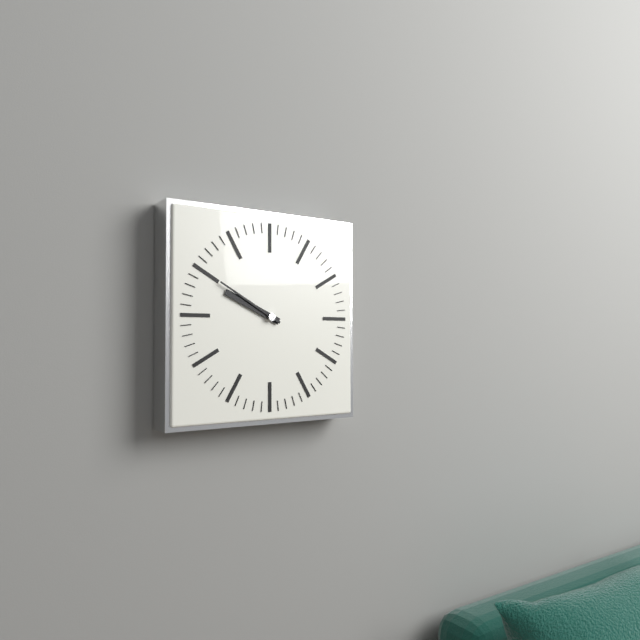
9:50
